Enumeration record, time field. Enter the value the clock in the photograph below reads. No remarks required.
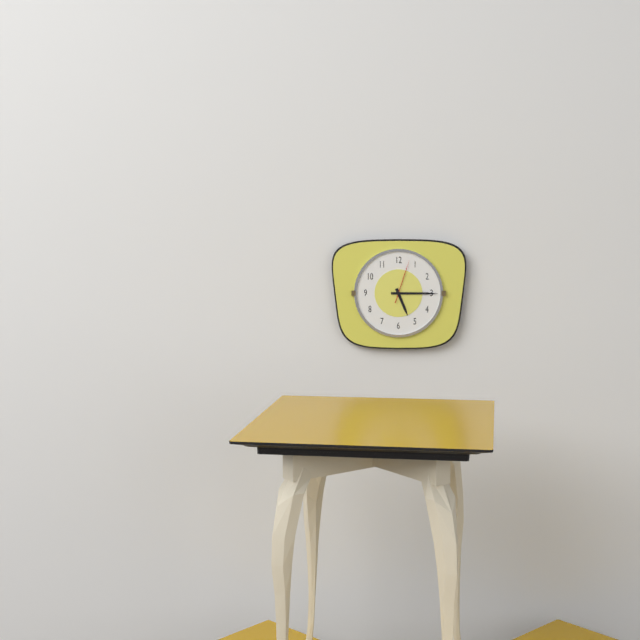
5:15
